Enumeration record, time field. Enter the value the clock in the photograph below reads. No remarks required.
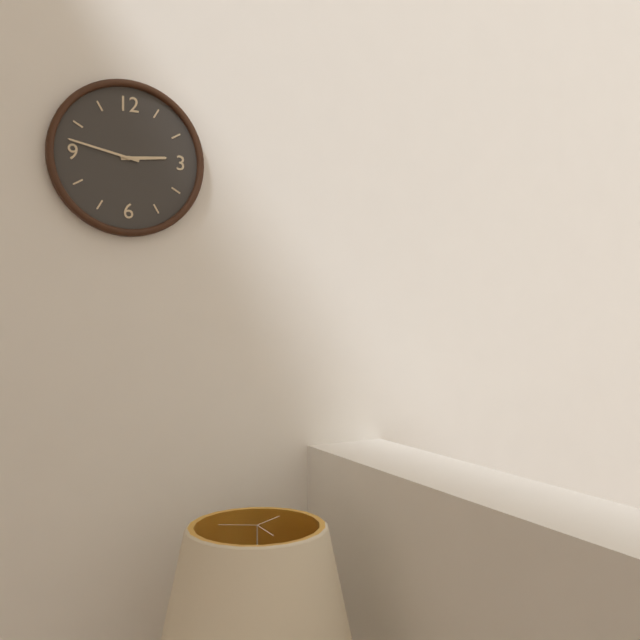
2:47
